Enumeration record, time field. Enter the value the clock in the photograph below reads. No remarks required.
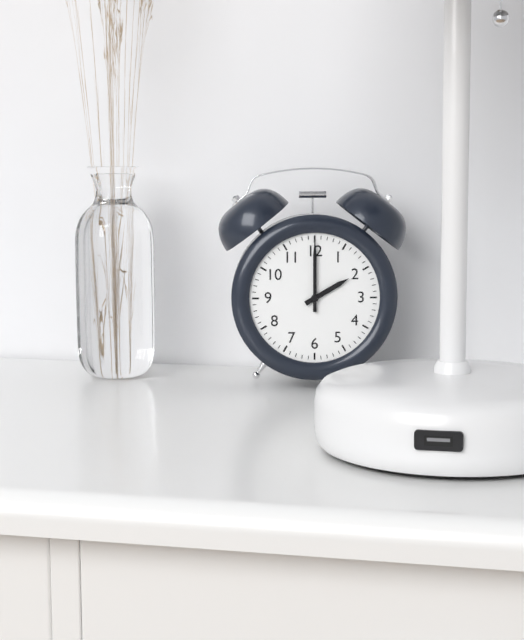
2:00
